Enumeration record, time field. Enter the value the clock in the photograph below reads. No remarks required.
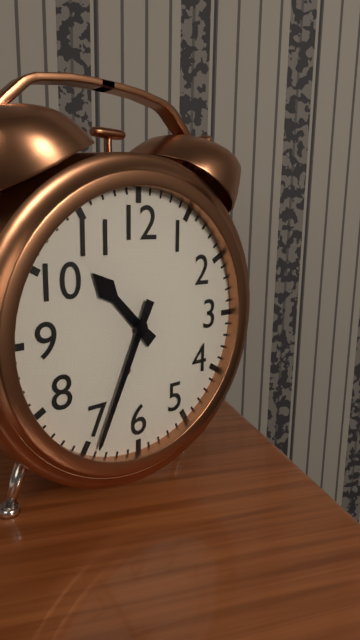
10:34
